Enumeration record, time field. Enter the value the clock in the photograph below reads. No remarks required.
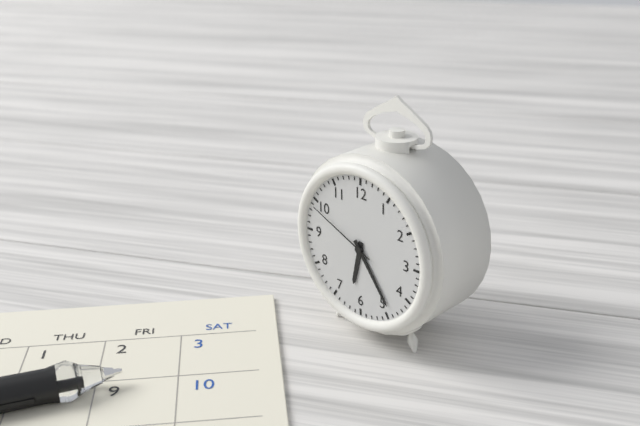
6:24:49
